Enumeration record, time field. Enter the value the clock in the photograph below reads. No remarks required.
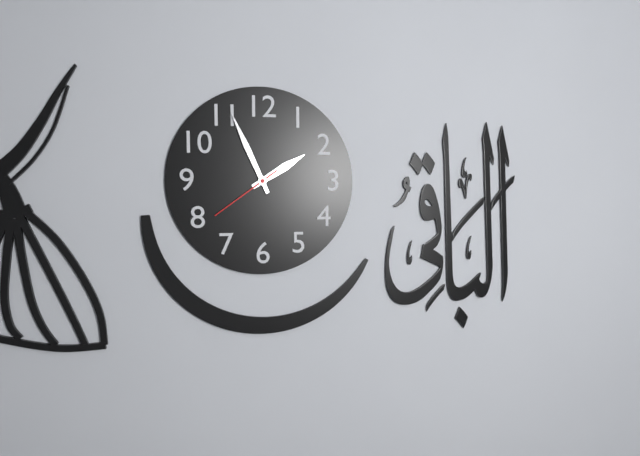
1:56:39
